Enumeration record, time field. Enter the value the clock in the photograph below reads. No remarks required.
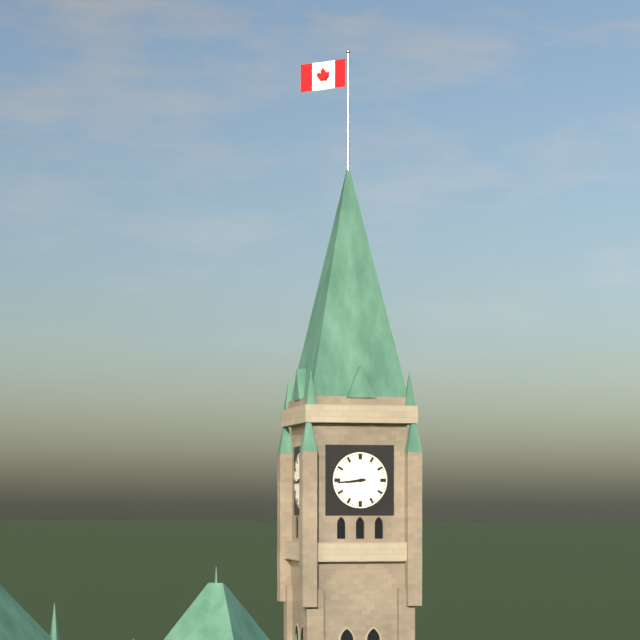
8:44
